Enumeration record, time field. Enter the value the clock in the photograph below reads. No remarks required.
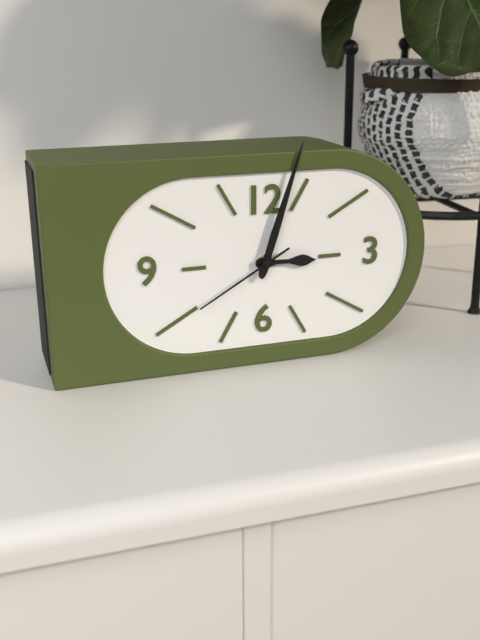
3:03:40
